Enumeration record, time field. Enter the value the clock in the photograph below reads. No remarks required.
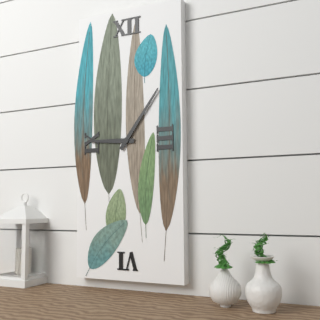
9:06
